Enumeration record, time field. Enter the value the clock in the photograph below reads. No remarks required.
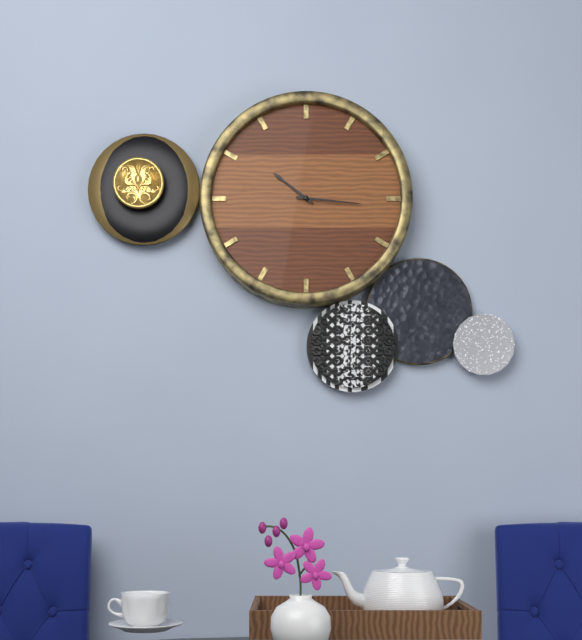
10:16
